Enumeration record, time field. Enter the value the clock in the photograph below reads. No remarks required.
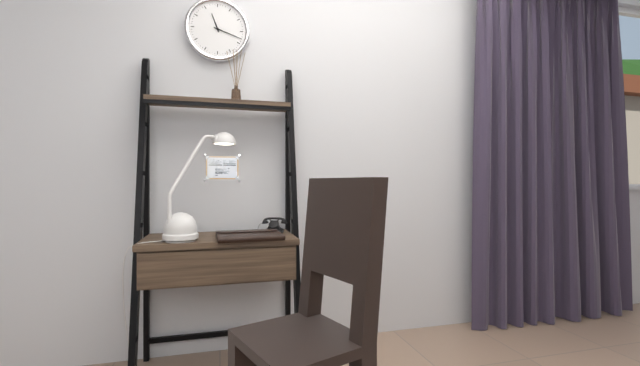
11:18
